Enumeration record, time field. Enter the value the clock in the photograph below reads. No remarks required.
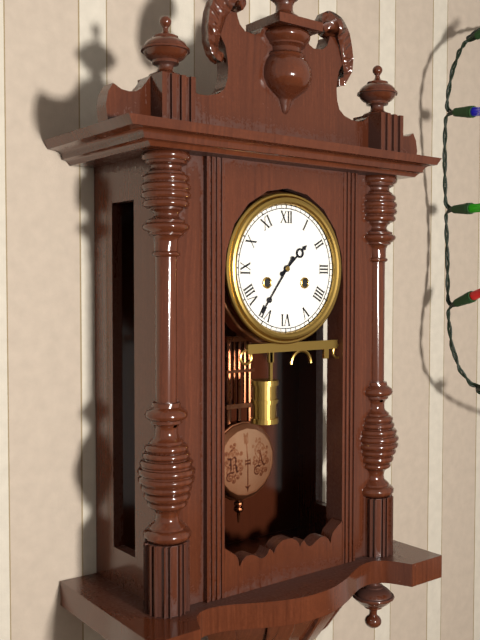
1:36
